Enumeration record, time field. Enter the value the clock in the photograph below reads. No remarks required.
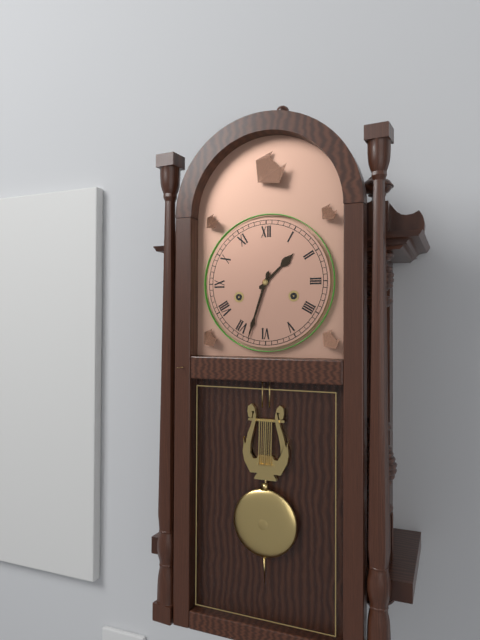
1:33
